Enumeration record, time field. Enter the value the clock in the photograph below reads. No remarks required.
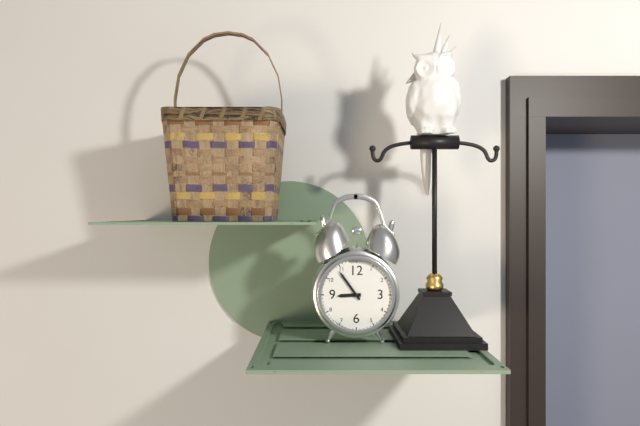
8:54
